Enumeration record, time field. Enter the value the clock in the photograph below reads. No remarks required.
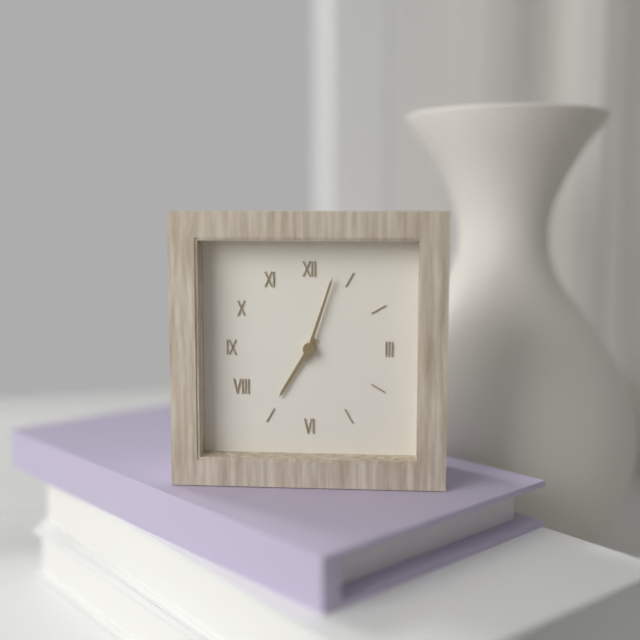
7:03
